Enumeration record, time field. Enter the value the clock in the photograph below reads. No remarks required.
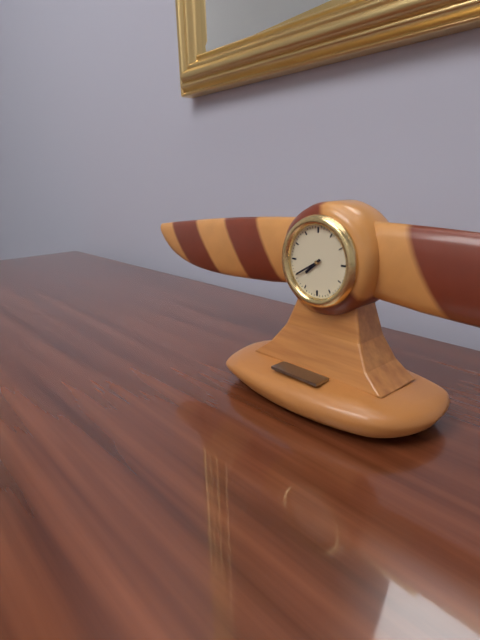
7:40
